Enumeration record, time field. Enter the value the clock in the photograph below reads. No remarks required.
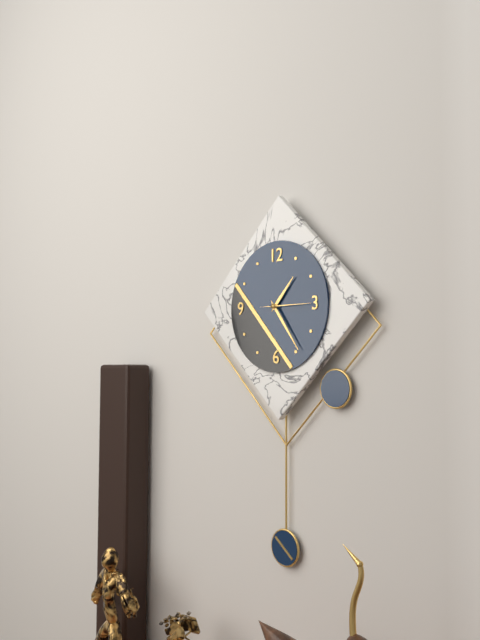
1:24
